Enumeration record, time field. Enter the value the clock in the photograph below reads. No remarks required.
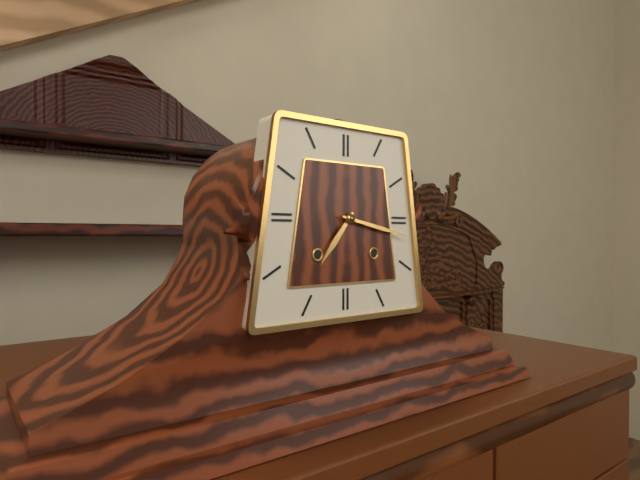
7:17
